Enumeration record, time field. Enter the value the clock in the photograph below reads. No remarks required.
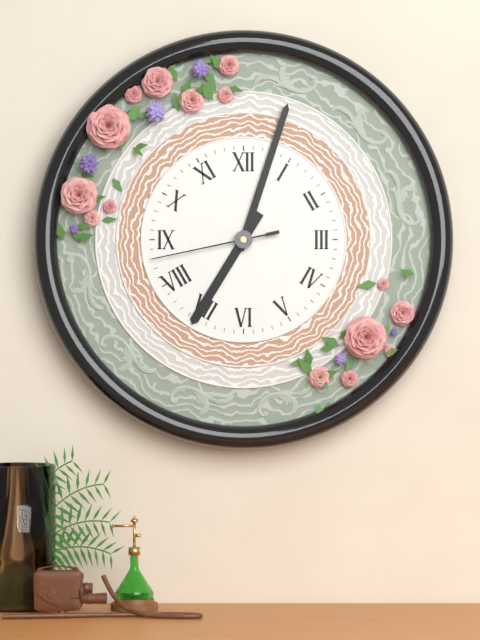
7:03:43
